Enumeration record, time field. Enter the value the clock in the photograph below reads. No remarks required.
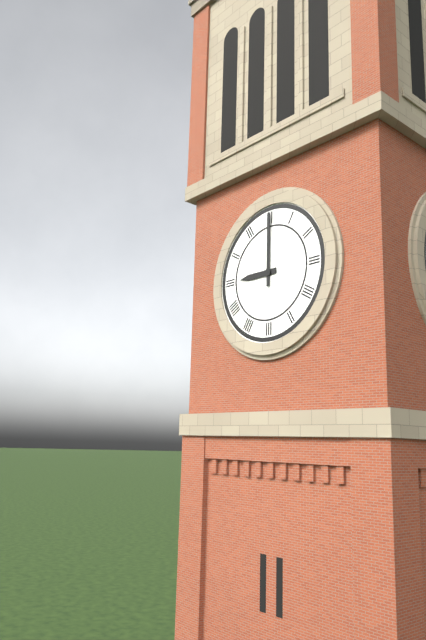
9:00
